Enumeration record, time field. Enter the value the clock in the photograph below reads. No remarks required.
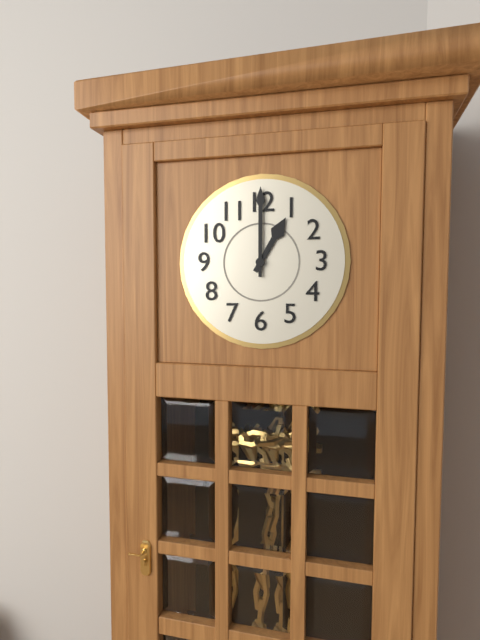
1:00
